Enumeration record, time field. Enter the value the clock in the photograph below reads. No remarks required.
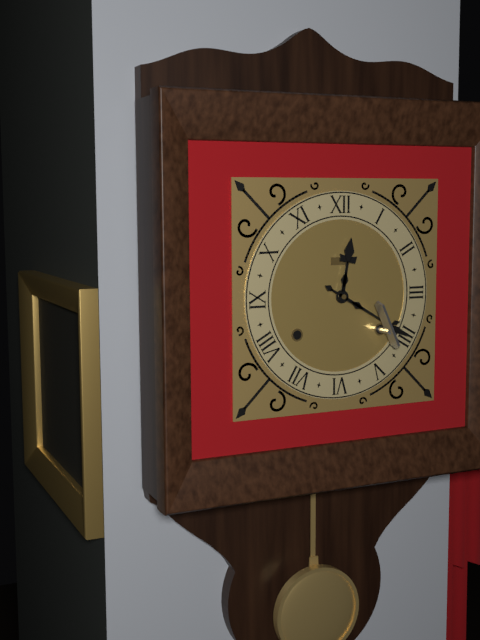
12:20
